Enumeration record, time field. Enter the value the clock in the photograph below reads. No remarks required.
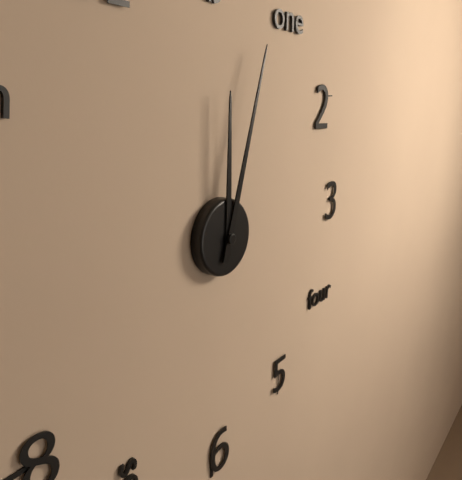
12:03
